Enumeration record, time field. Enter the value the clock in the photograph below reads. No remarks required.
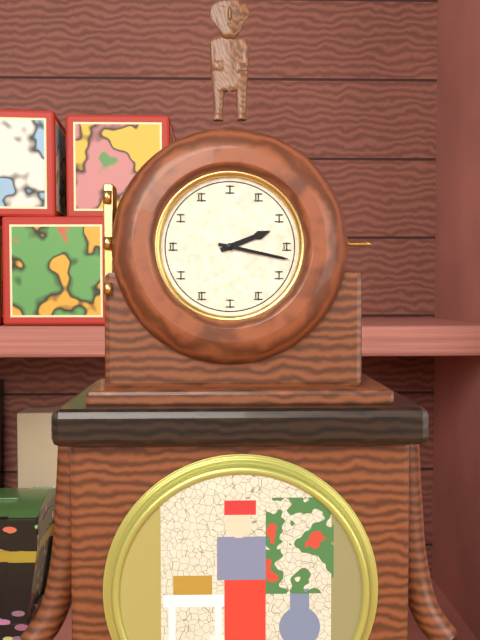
2:17
